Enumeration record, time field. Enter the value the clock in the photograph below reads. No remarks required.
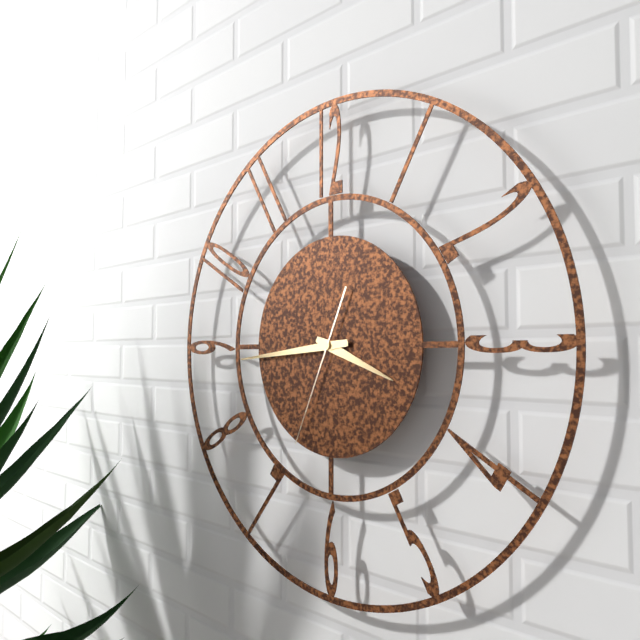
3:44:34
